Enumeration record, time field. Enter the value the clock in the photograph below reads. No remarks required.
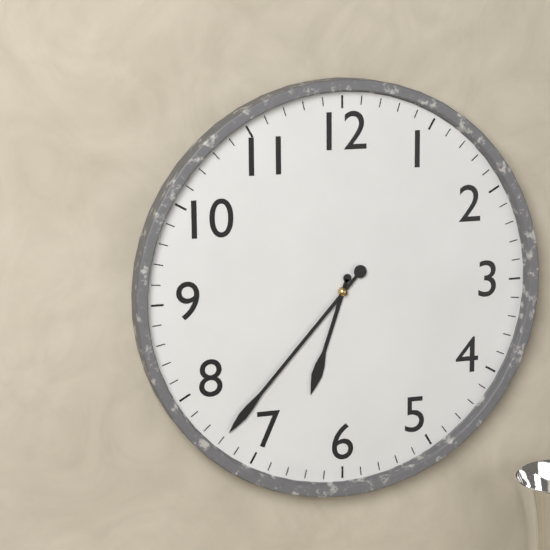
6:37
